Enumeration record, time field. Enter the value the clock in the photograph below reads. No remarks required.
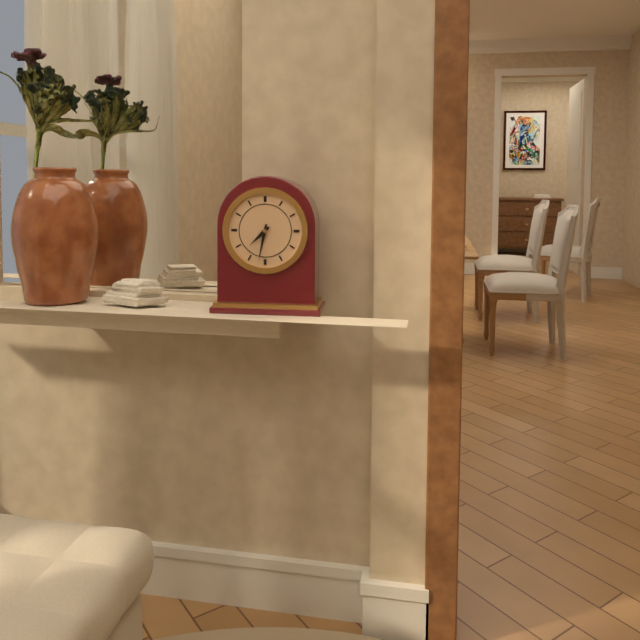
7:32
